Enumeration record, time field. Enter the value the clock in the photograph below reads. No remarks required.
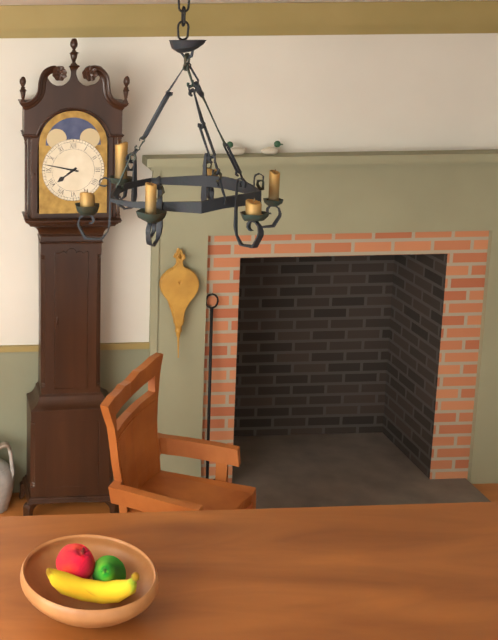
7:47
